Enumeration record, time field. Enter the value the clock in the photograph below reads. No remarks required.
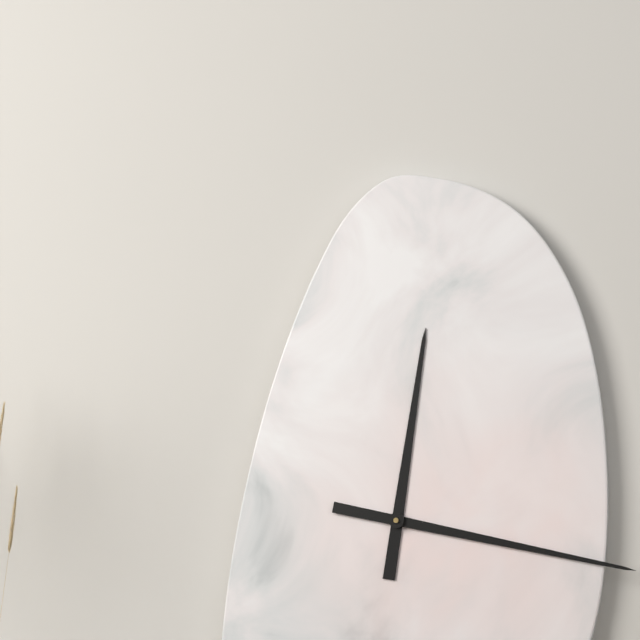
12:17
